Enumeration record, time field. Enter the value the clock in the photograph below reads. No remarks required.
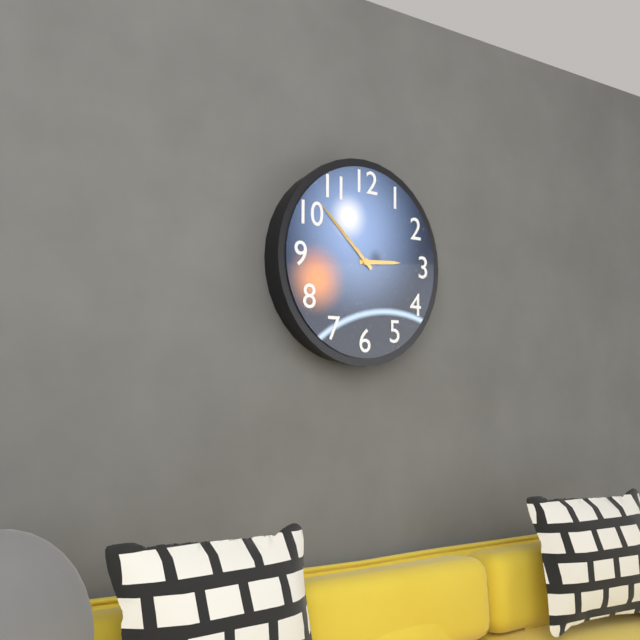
2:52
